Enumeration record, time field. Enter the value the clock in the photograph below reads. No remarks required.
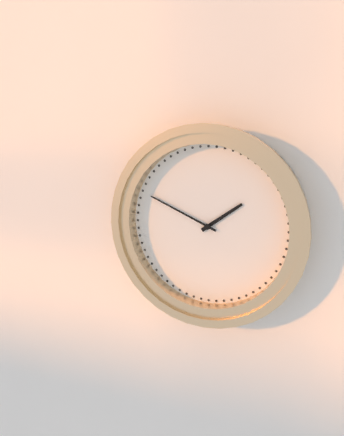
1:49
